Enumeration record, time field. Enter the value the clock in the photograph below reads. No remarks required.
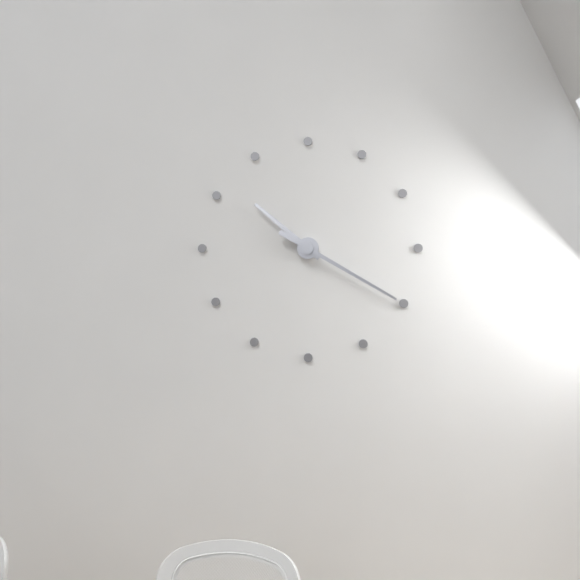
10:20
